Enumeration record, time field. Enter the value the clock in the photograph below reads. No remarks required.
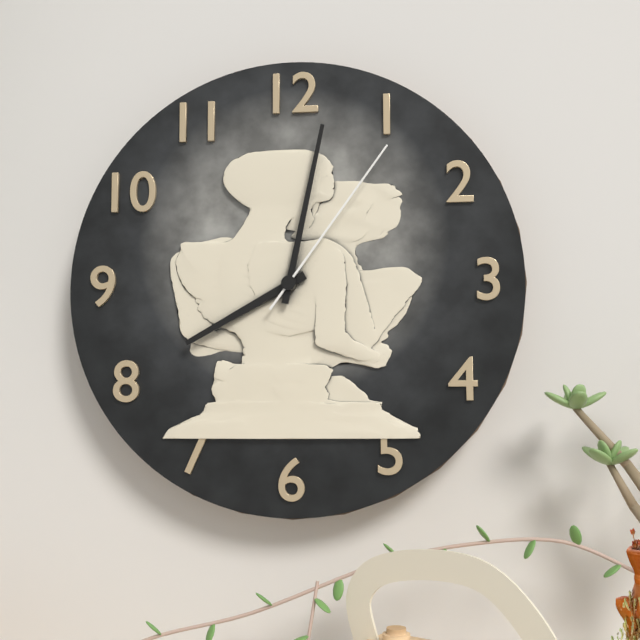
8:02:06
